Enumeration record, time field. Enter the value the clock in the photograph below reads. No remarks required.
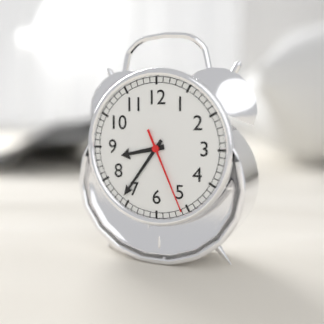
8:36:26
